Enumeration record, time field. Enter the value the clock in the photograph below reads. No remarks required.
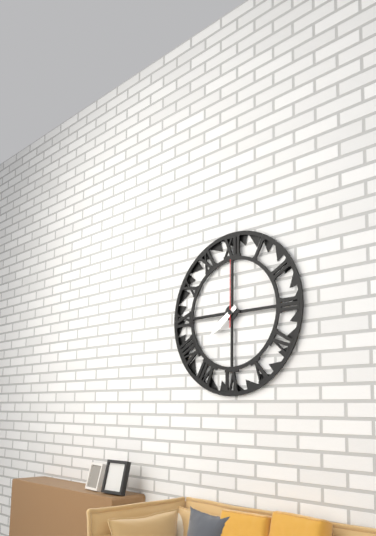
7:45:00
